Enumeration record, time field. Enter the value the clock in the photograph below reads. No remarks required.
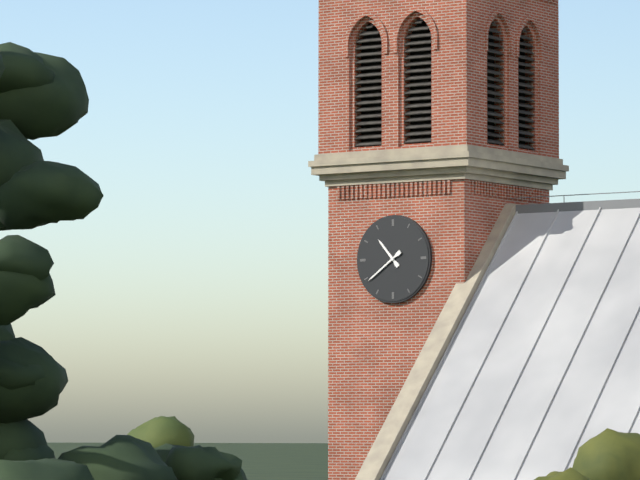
10:39
